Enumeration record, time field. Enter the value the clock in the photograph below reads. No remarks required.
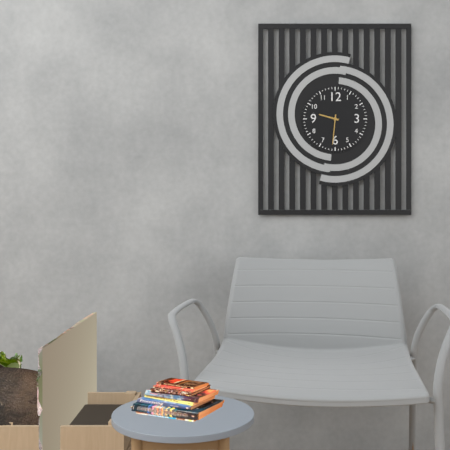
9:31
